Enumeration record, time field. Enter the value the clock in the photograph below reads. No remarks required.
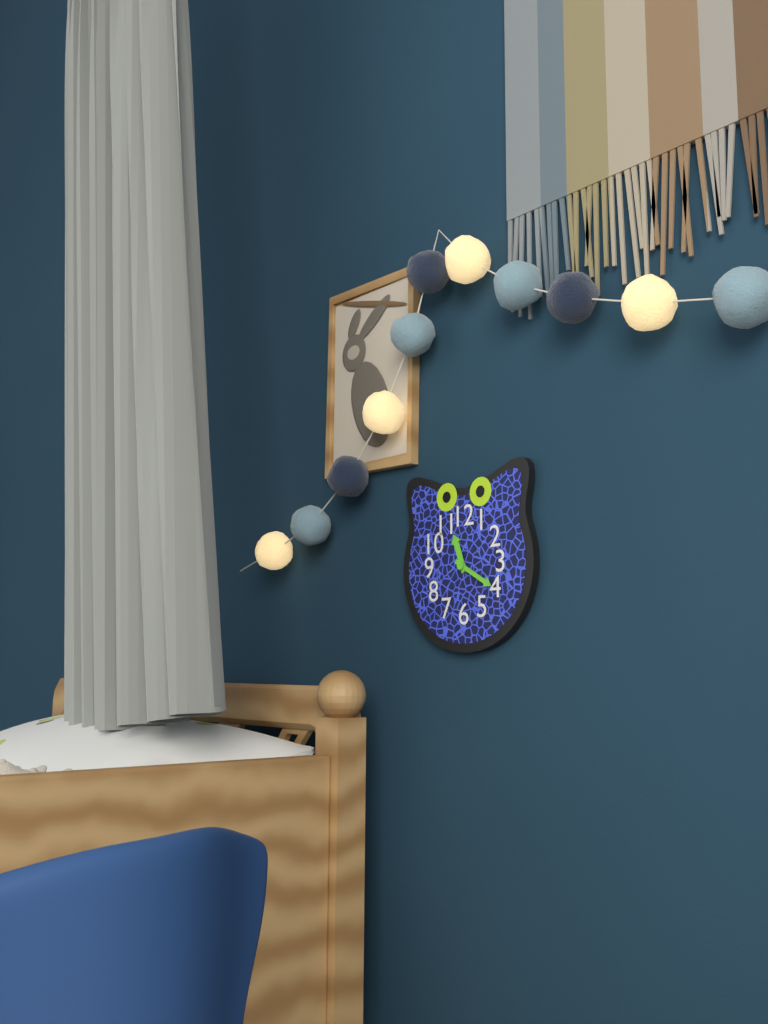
11:20
